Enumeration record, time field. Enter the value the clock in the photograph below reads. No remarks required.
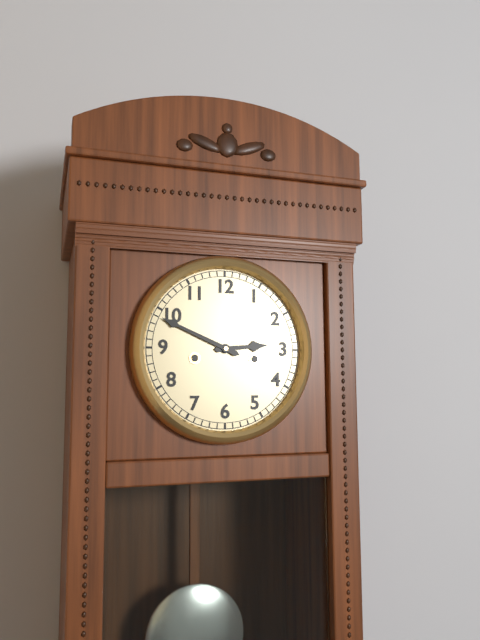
2:49
